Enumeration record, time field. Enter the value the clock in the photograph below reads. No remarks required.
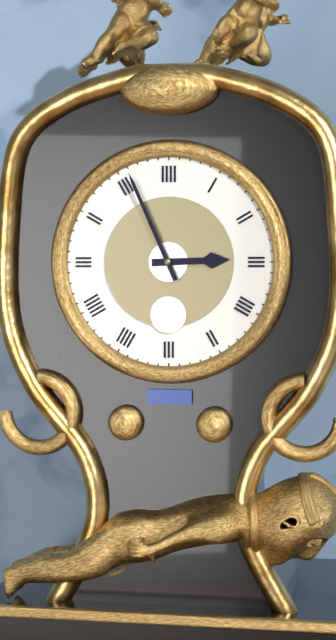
2:56
